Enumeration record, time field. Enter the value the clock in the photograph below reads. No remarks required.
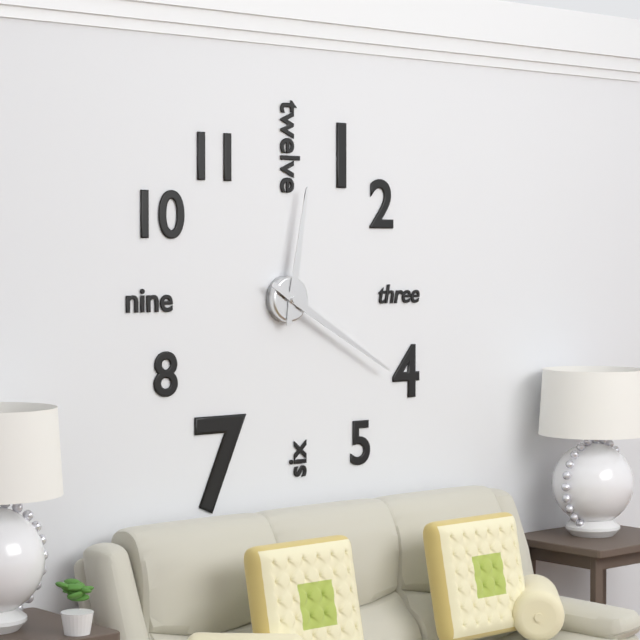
12:20
